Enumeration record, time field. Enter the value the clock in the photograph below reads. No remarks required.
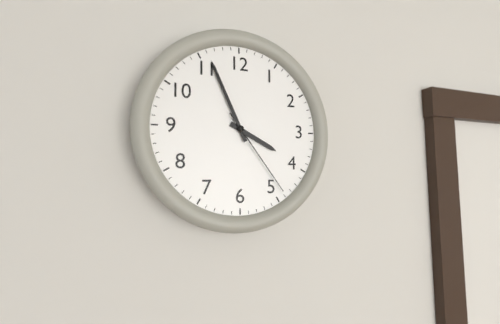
3:56:24
